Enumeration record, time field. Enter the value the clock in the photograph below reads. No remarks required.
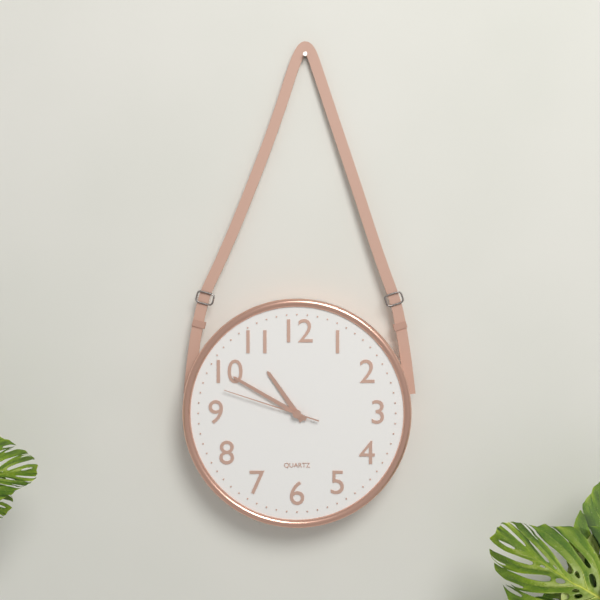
10:50:48
